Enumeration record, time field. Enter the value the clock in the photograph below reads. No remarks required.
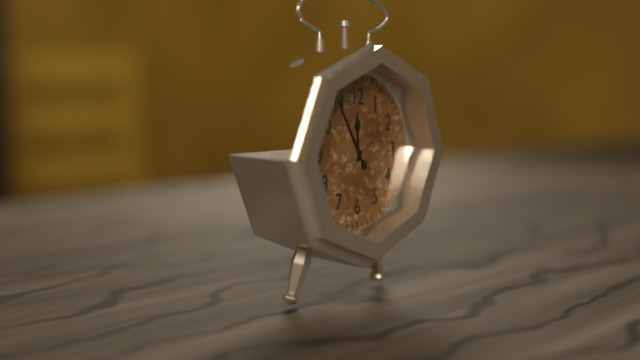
11:55
